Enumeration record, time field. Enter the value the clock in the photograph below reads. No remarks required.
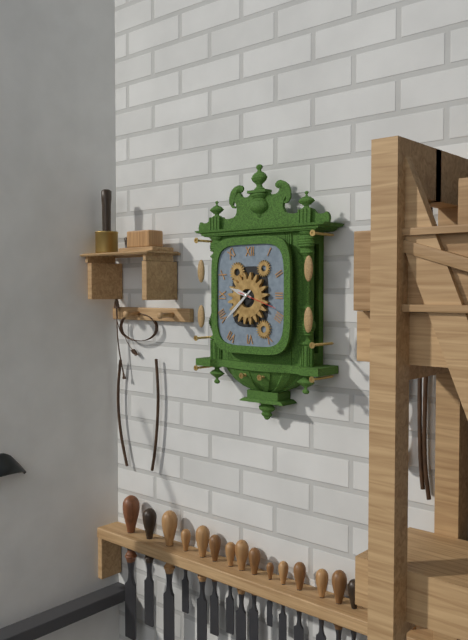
9:38
